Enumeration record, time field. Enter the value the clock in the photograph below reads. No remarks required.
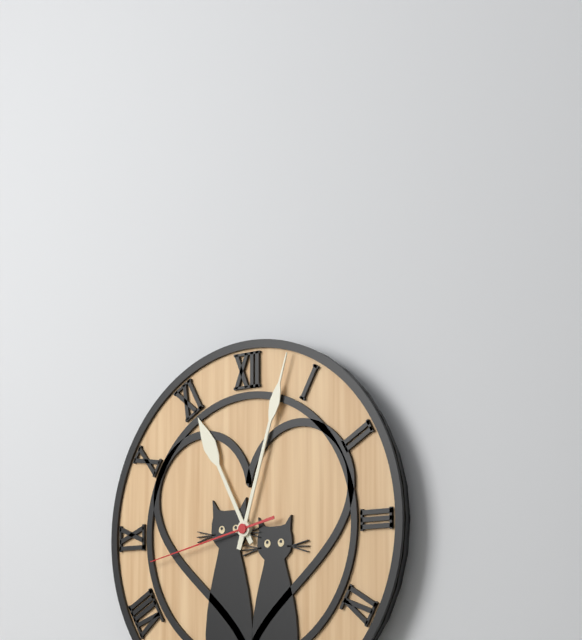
11:03:43
